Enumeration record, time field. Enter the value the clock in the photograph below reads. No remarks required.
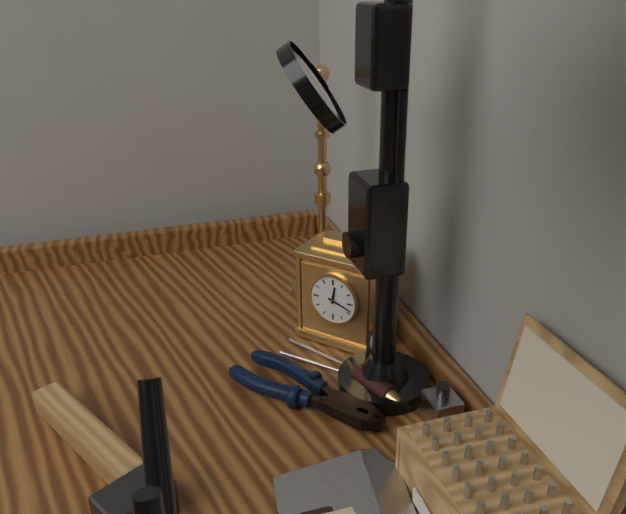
12:18
